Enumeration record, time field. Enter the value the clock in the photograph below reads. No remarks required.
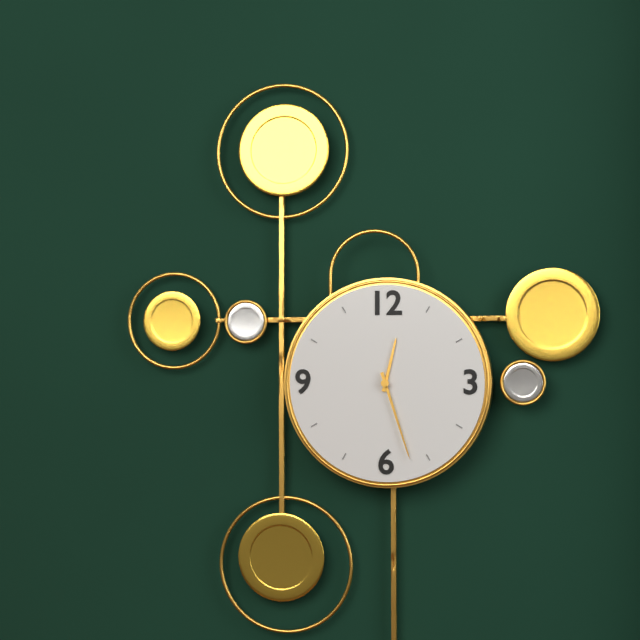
12:27
